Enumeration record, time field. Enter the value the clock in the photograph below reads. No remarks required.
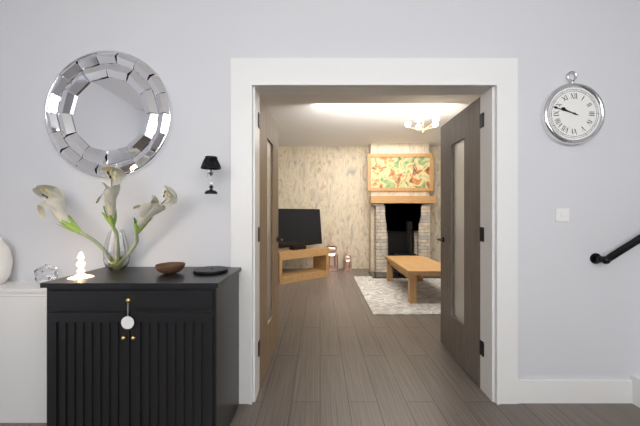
9:48
